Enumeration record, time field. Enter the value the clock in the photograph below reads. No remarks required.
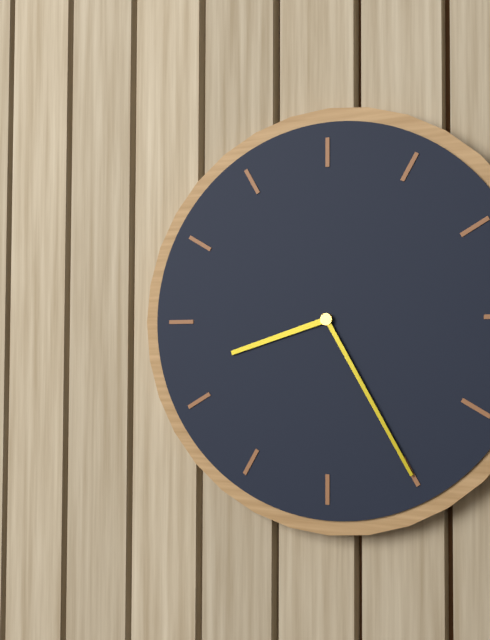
8:25
